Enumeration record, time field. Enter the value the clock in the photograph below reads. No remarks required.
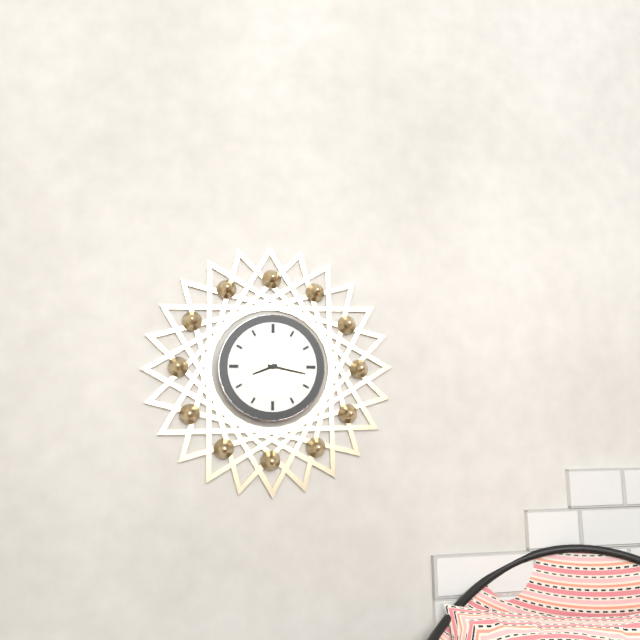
8:17
